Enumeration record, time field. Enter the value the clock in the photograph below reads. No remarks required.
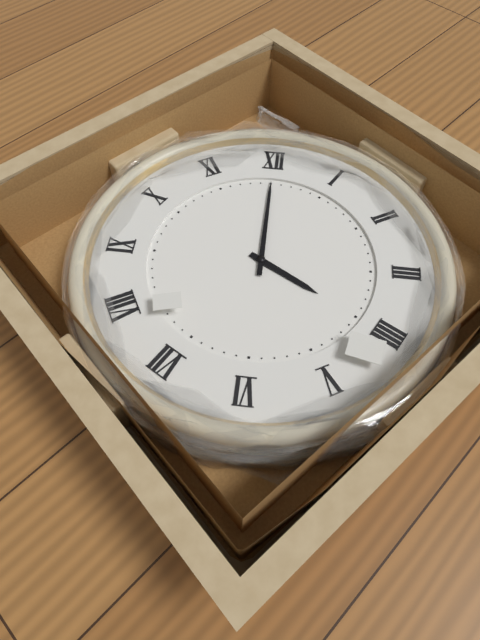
4:00
